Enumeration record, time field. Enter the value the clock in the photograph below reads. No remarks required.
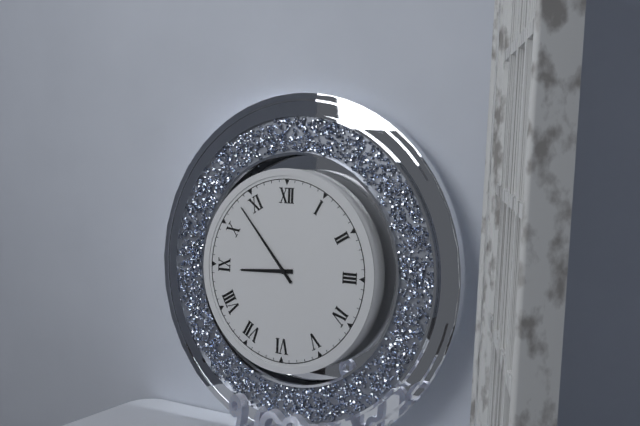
8:53
